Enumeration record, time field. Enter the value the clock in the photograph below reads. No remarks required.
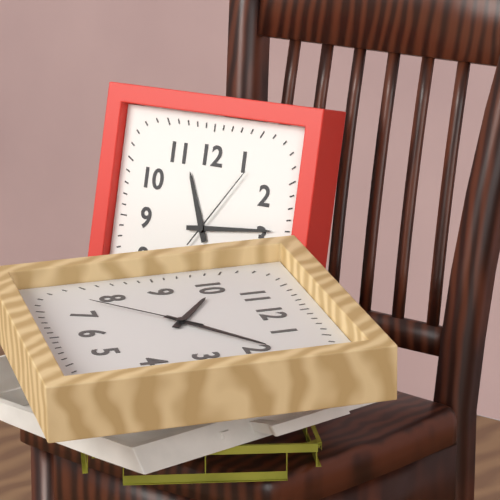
11:14:06
